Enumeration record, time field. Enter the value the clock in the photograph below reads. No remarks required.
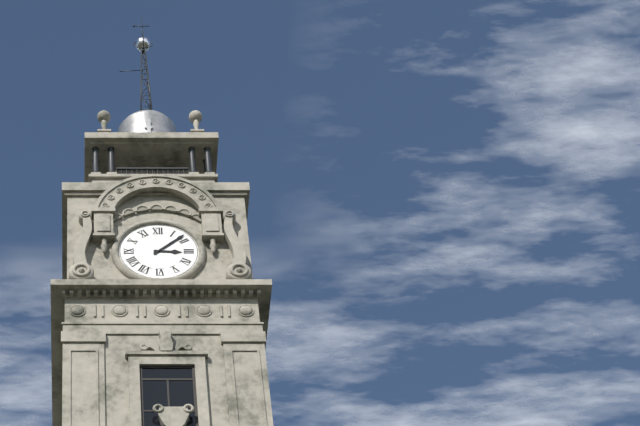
3:08
